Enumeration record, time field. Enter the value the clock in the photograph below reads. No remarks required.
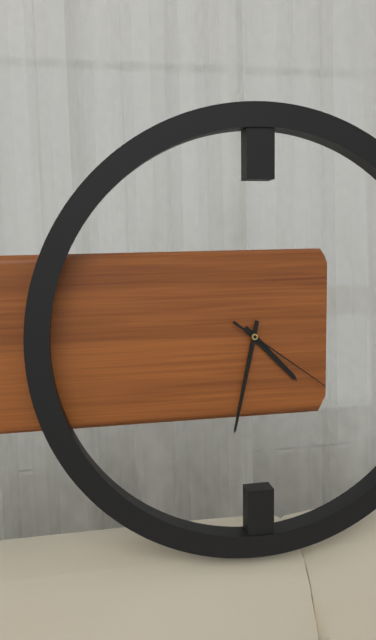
4:32:21
